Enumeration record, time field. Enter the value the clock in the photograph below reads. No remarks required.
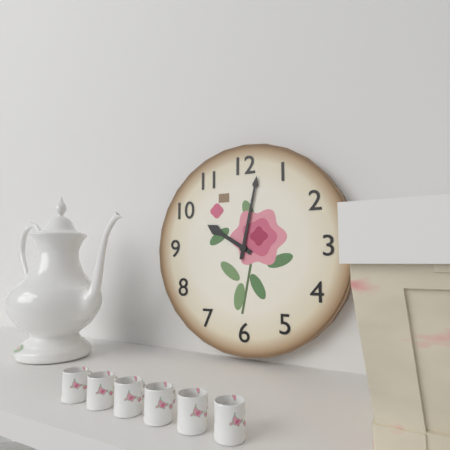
10:02
